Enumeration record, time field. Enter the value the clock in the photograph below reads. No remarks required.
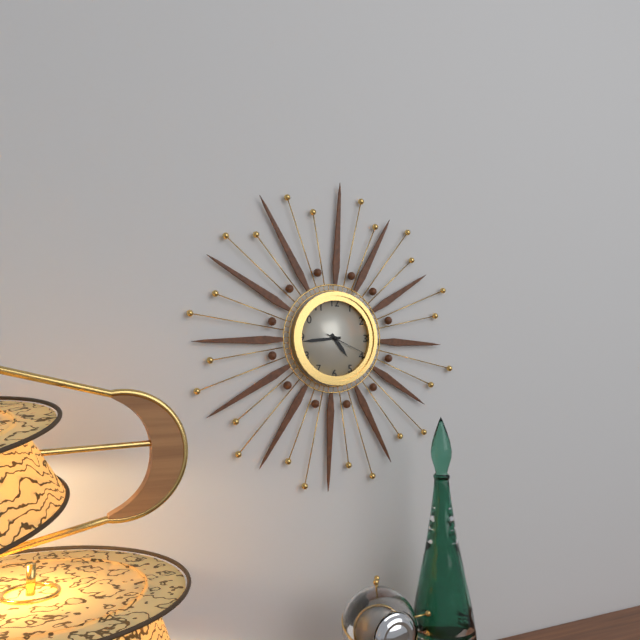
4:44
